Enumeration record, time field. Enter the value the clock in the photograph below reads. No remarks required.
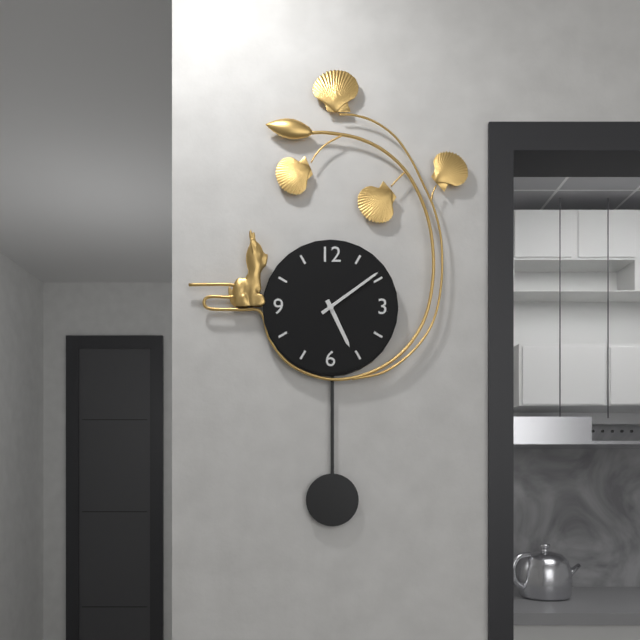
5:09
